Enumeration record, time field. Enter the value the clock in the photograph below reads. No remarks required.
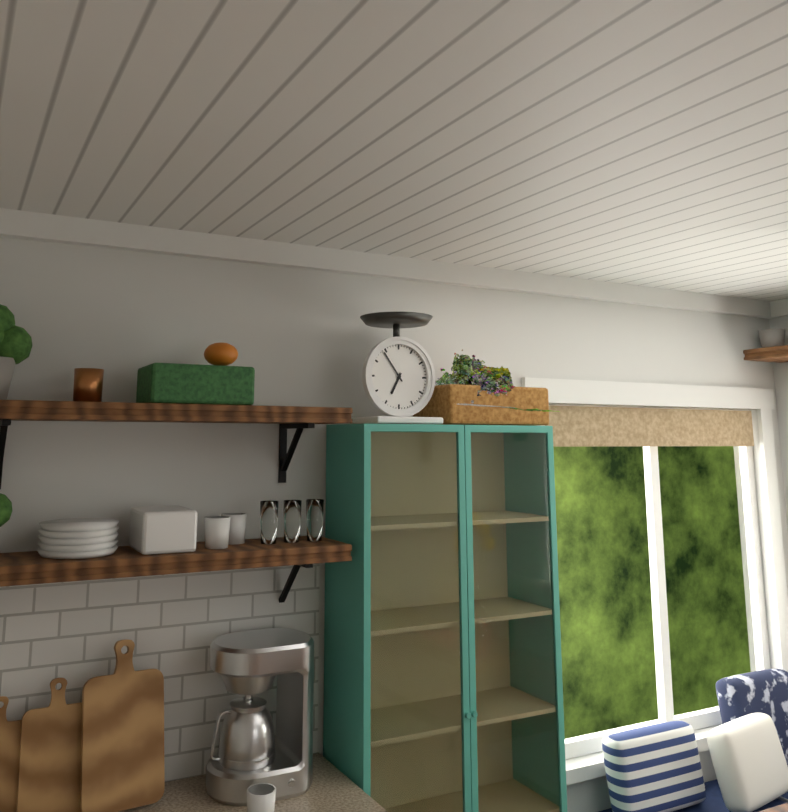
6:54
